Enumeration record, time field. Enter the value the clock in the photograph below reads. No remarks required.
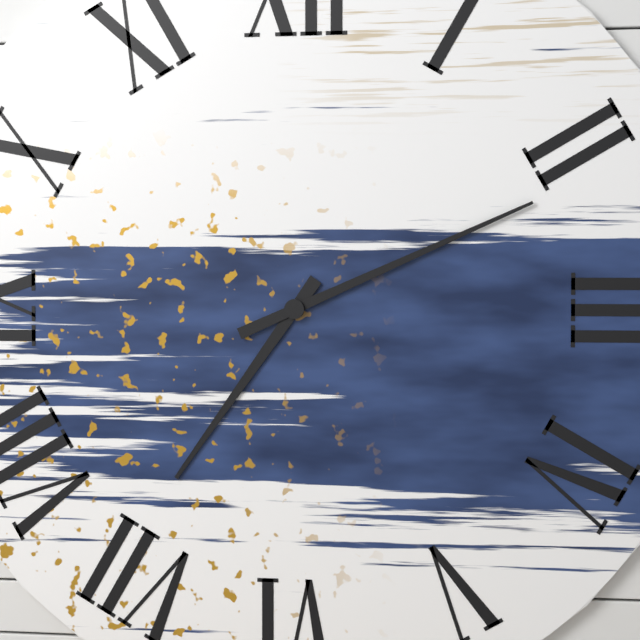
7:11
